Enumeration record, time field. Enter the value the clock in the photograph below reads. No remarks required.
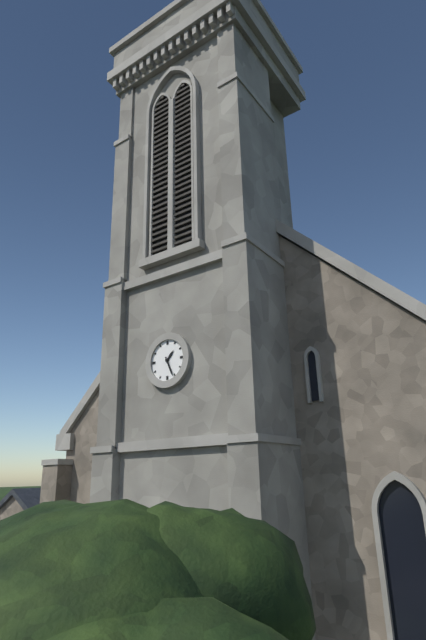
1:26
